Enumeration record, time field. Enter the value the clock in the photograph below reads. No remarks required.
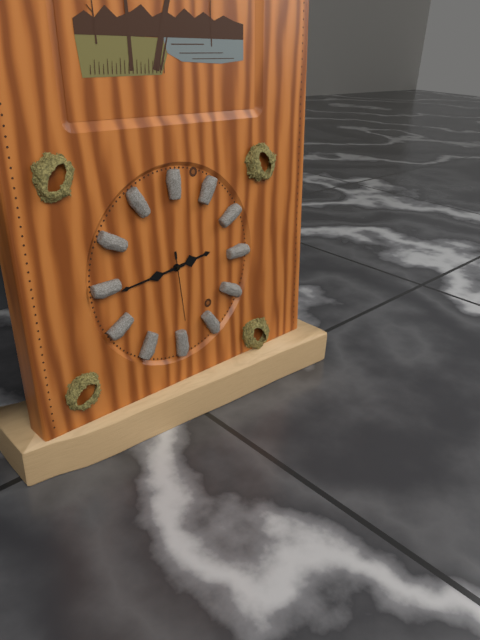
2:44:29
